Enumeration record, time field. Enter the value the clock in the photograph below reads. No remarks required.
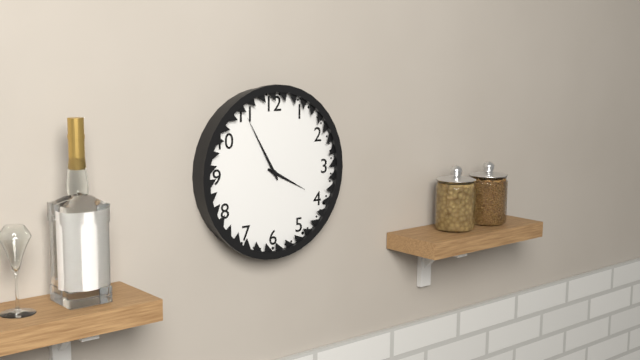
3:55
